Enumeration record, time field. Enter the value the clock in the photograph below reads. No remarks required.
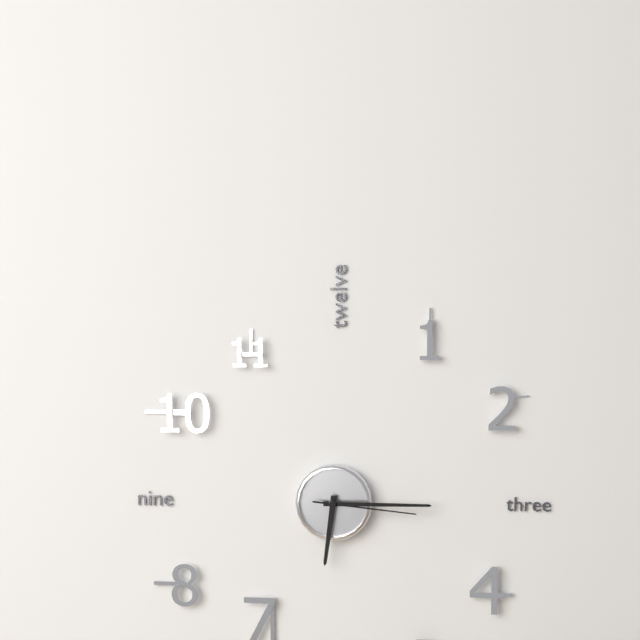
6:15:16
